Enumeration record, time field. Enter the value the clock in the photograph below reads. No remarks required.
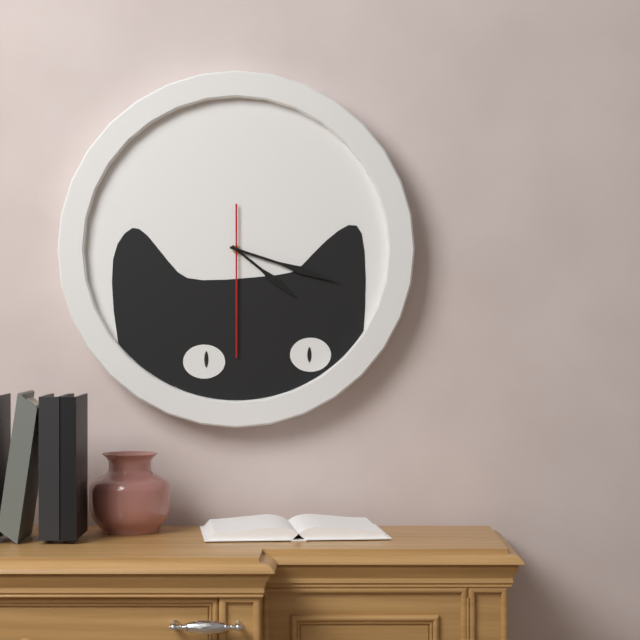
4:18:30
